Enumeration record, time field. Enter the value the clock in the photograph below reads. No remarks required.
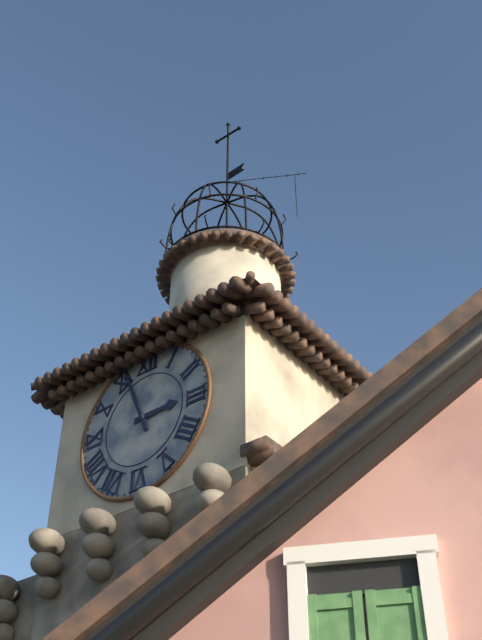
2:56
